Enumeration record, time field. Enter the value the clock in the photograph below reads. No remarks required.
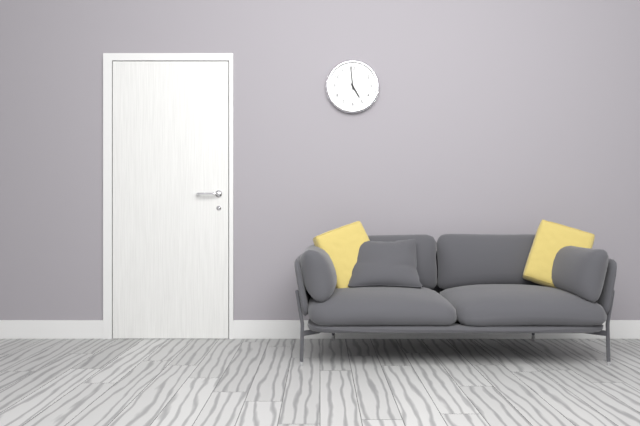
4:59
